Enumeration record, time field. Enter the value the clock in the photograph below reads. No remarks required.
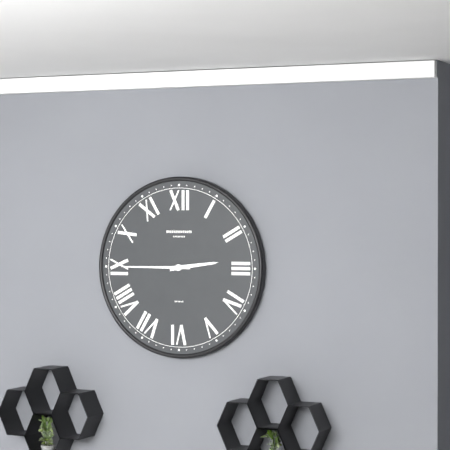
2:45
